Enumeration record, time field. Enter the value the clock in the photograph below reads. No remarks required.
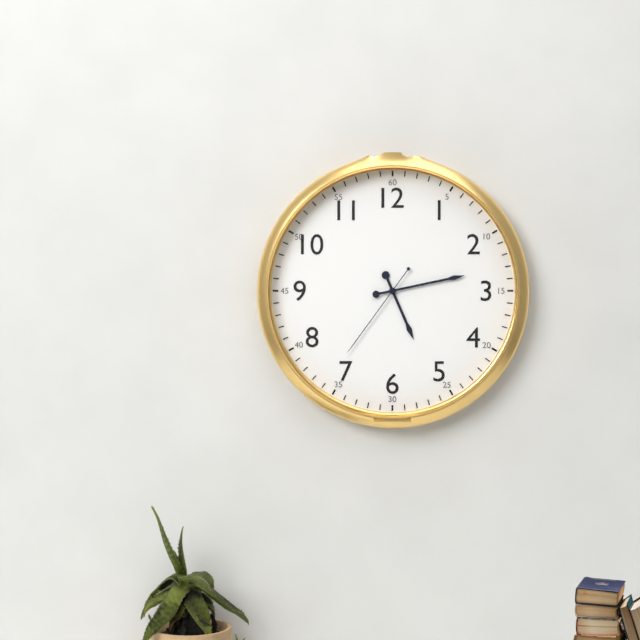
5:13:36
